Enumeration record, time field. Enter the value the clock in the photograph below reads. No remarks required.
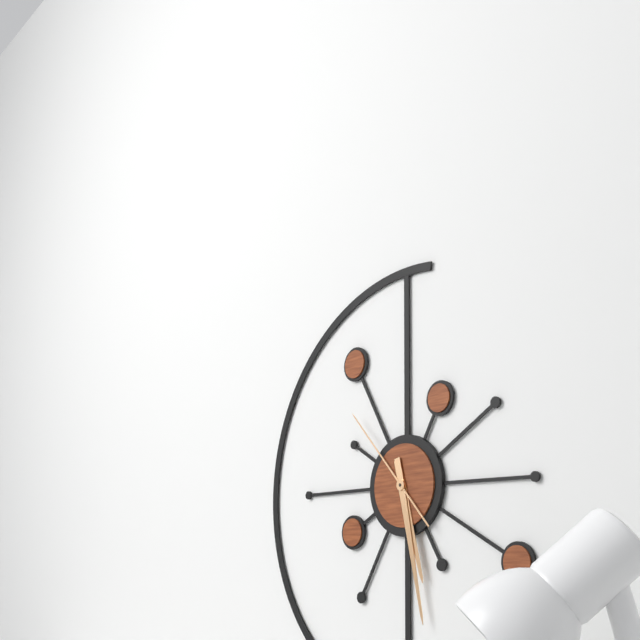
5:28:53
